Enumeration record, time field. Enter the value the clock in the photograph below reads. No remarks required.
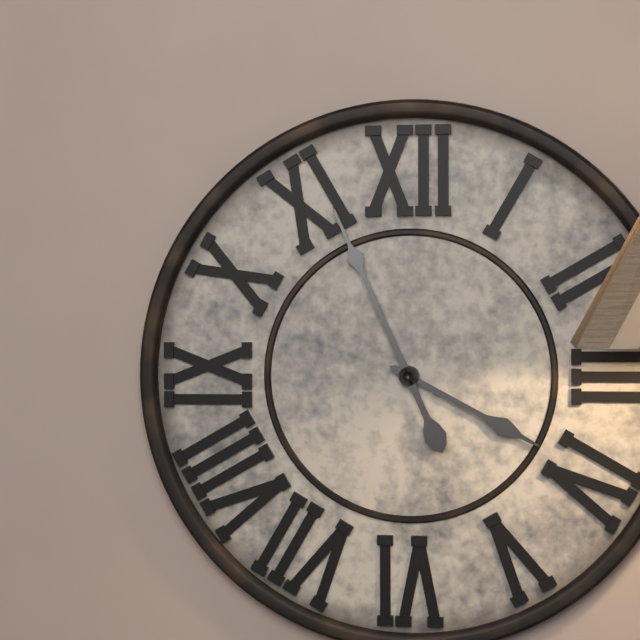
3:56
